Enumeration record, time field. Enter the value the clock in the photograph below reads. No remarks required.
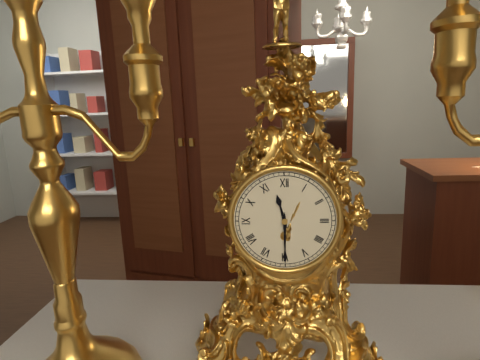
11:30
